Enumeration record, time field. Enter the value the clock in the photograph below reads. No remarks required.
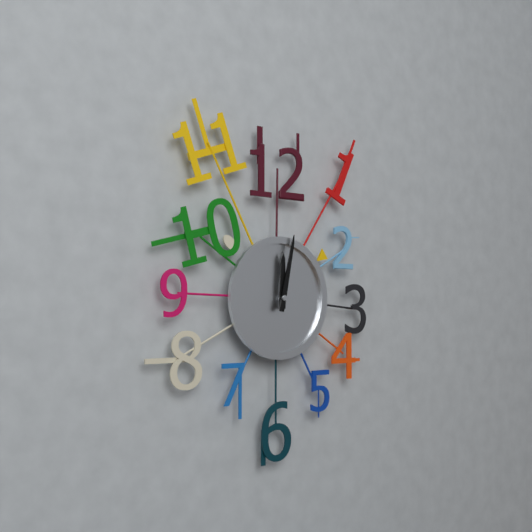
12:02
